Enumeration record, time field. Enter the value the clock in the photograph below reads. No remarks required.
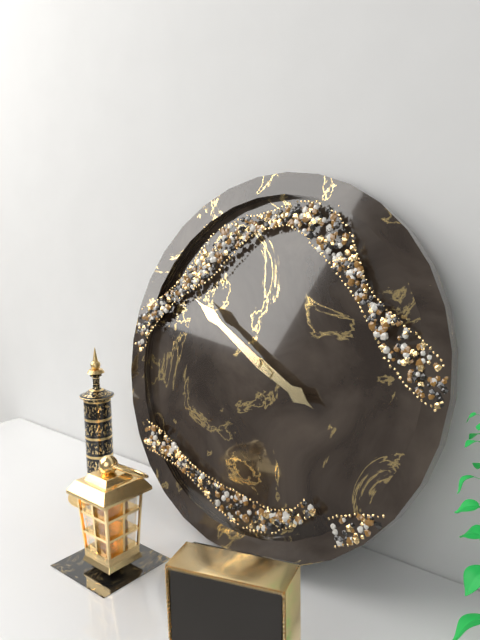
3:50
